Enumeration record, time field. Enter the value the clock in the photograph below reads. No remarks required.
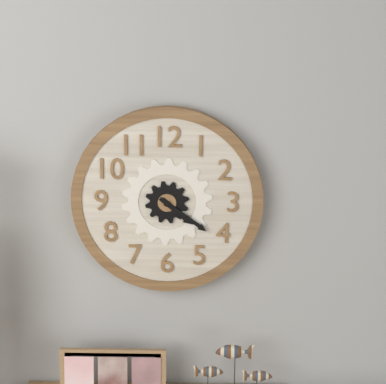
4:21
